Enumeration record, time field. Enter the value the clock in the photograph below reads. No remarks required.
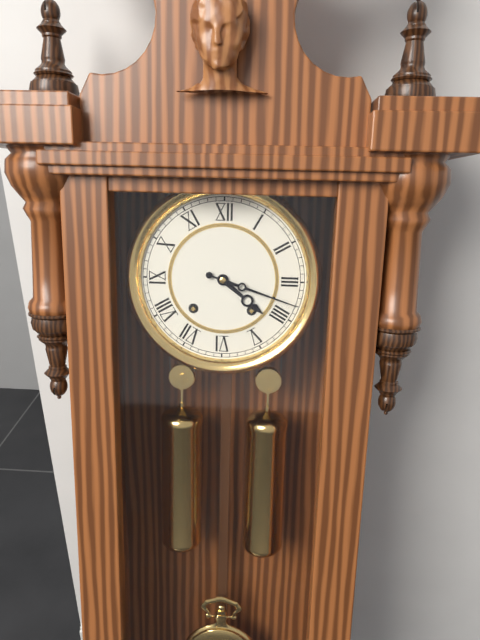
4:18
